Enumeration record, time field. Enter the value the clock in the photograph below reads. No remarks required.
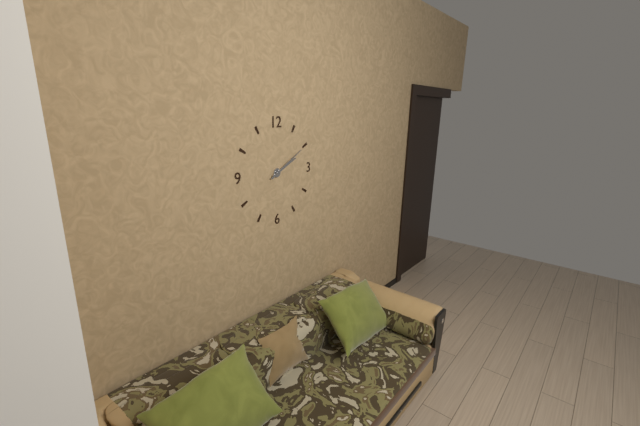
2:10
